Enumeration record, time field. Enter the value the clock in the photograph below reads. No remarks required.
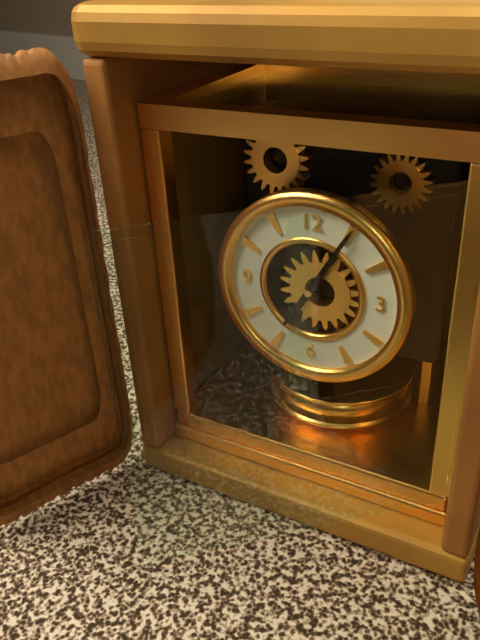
7:05
